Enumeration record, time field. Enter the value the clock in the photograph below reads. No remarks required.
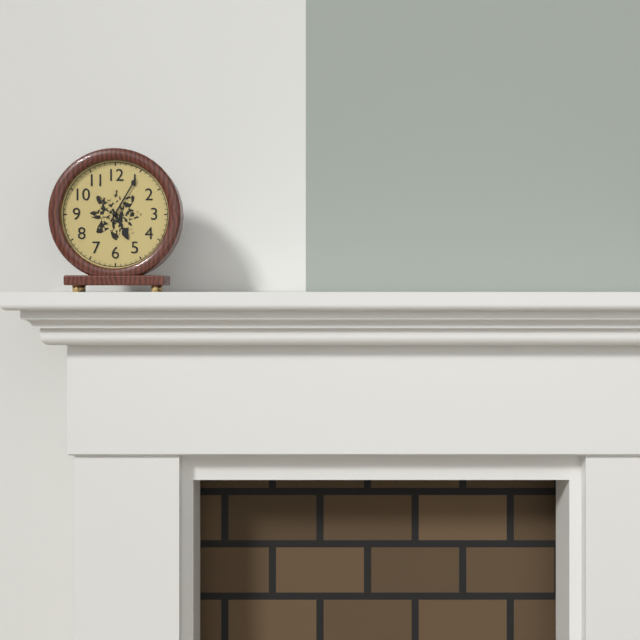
5:05
